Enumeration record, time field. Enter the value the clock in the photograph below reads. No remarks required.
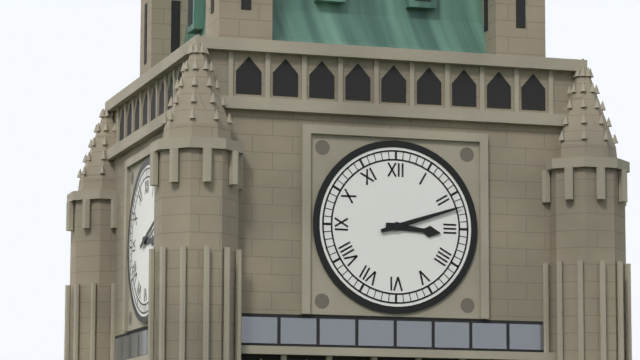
3:12
